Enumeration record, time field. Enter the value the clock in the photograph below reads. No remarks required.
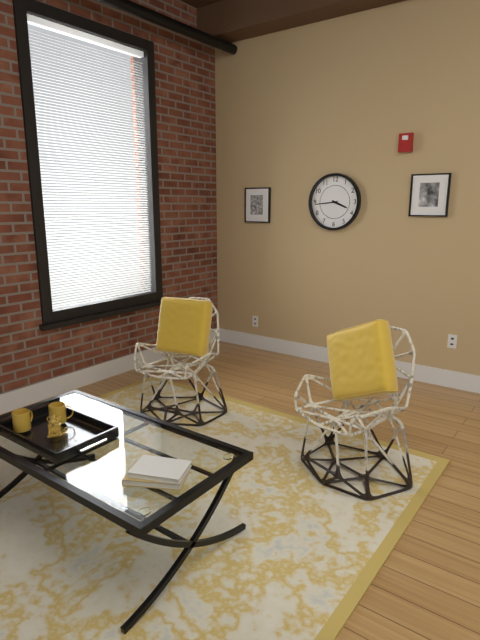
3:44
